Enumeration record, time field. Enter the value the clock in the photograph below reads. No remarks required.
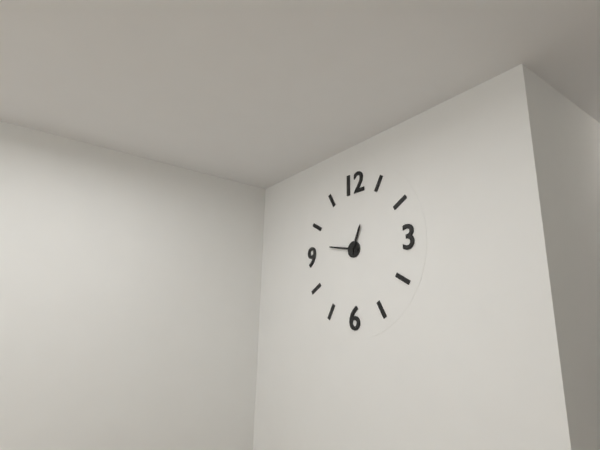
12:47
